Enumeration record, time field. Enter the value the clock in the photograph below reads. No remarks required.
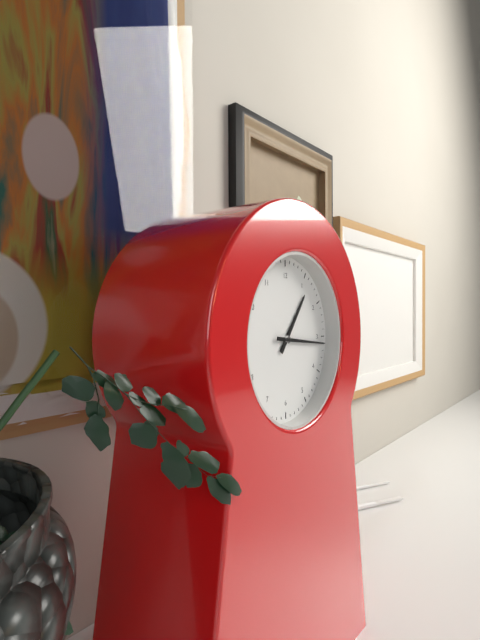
1:16
